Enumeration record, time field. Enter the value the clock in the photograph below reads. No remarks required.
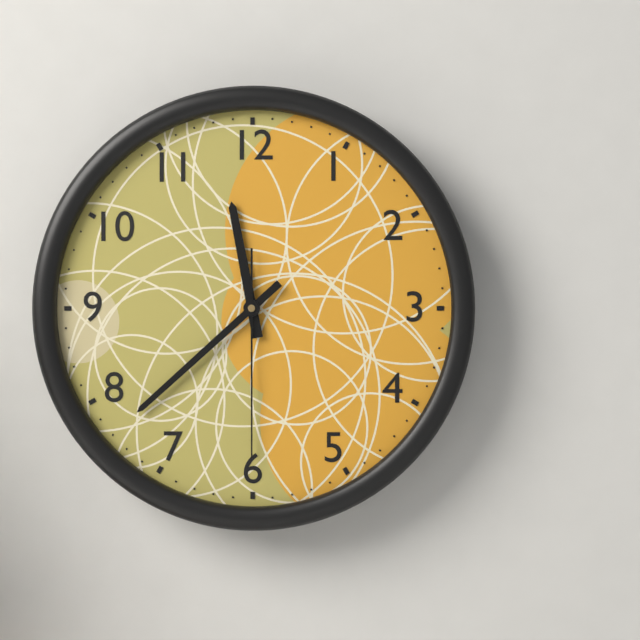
11:38:30
